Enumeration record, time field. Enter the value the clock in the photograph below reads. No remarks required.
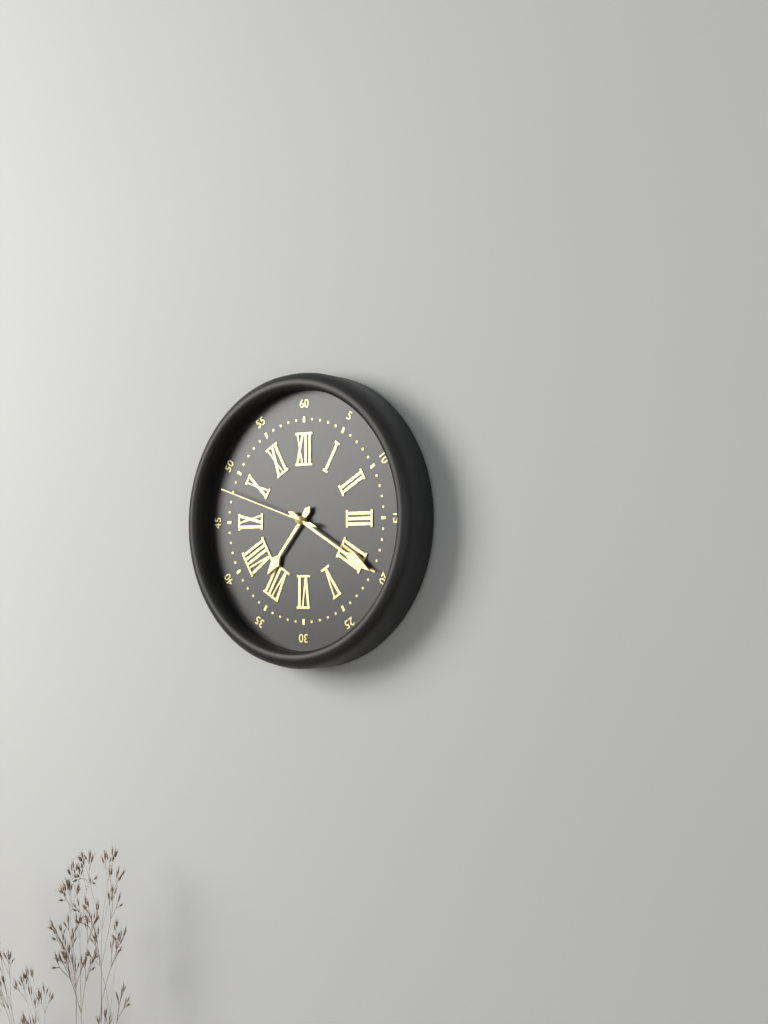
7:20:48
